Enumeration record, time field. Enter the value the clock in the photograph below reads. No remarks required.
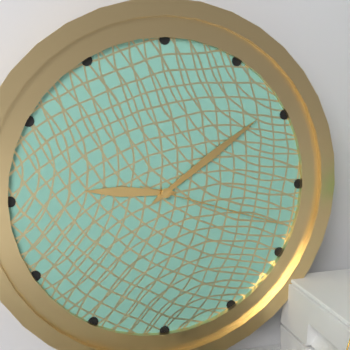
9:09:18
